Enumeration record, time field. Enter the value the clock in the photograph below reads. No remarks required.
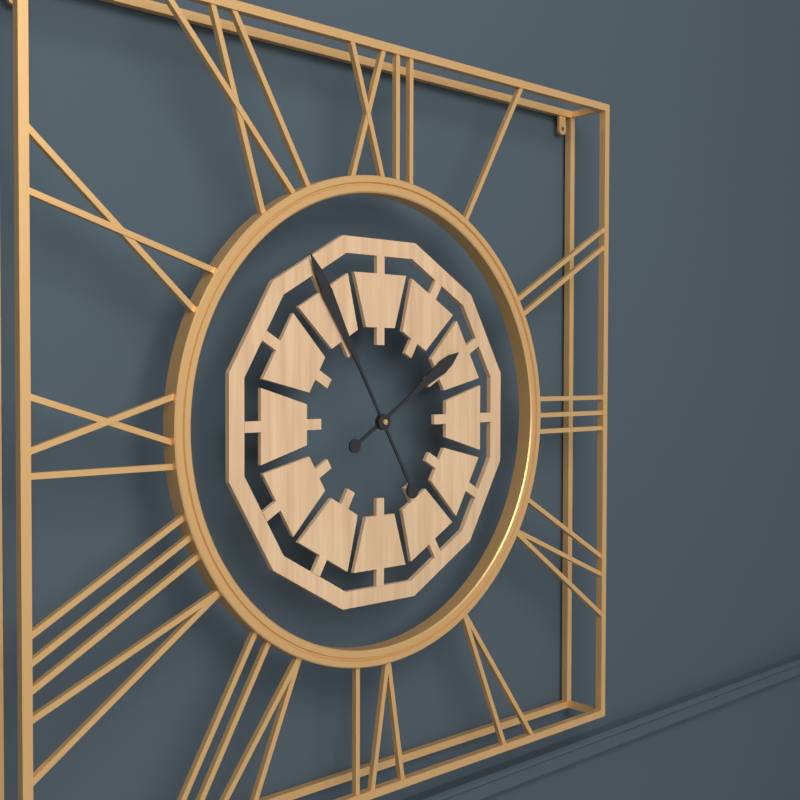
1:55
